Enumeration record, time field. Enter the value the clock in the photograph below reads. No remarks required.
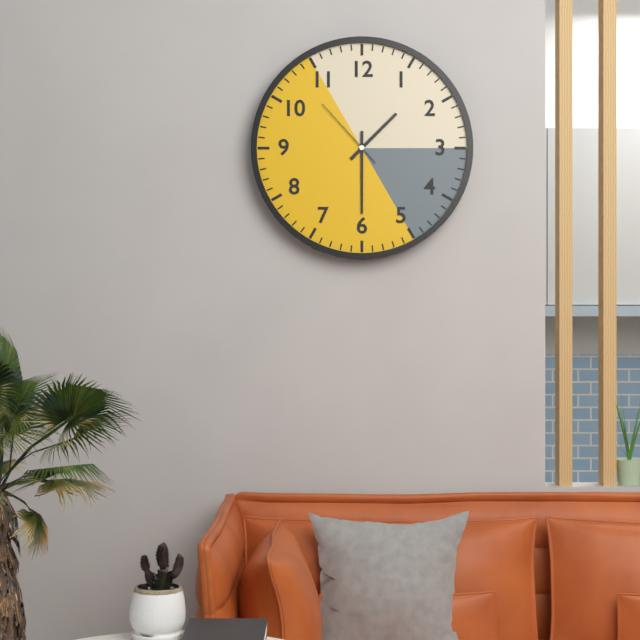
1:30:53
